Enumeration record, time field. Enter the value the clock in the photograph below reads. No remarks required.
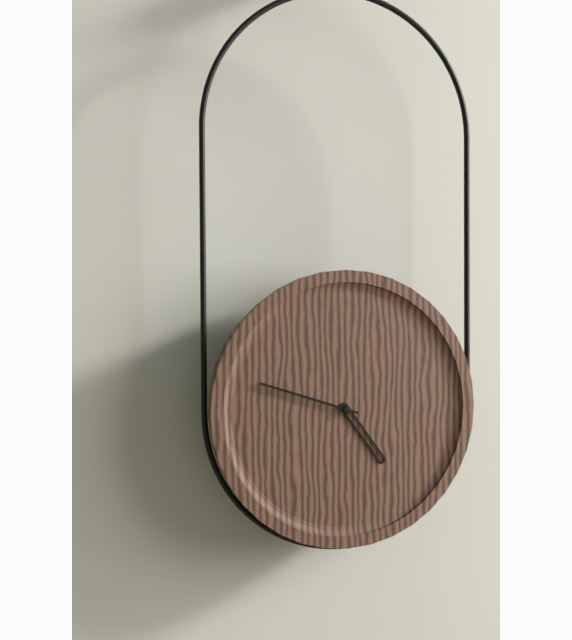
4:48
